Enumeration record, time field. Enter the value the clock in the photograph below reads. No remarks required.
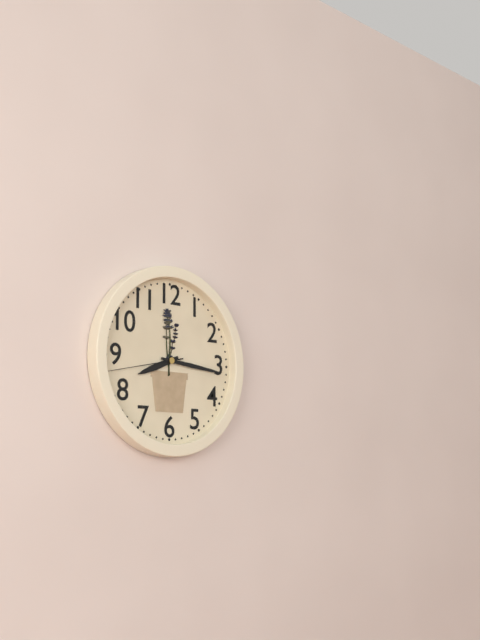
8:16:43
